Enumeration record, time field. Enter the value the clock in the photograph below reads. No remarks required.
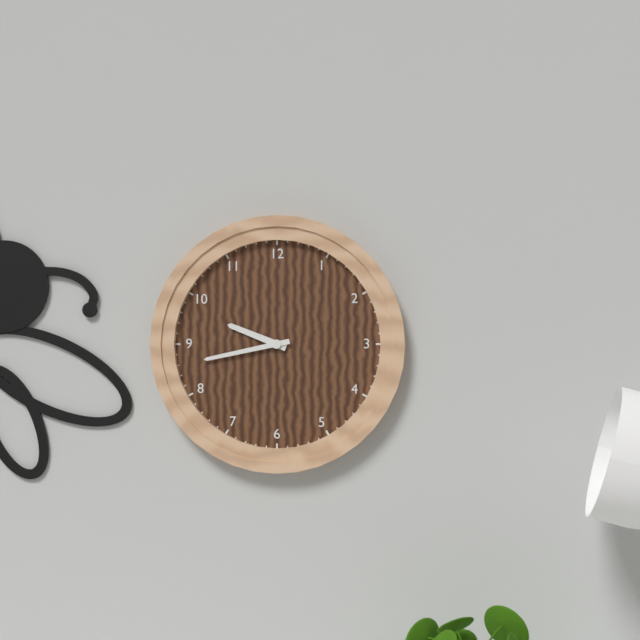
9:43
